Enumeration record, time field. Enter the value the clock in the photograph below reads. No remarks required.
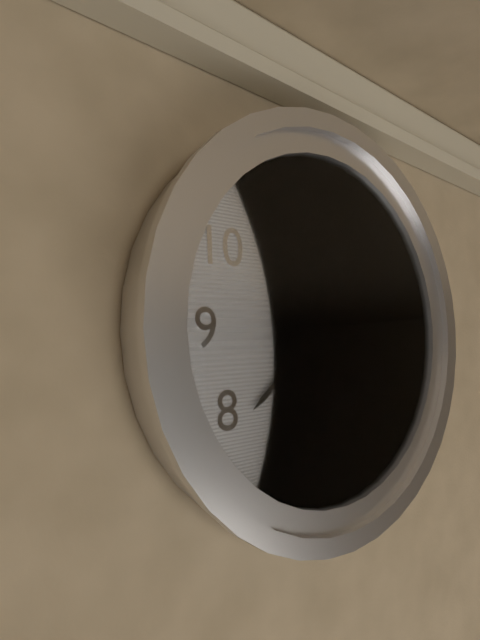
11:39:20
